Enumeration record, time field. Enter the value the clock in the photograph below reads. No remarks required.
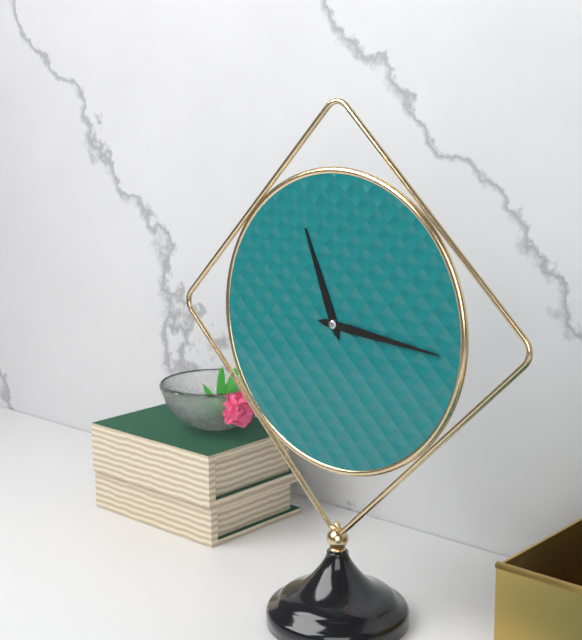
11:16
